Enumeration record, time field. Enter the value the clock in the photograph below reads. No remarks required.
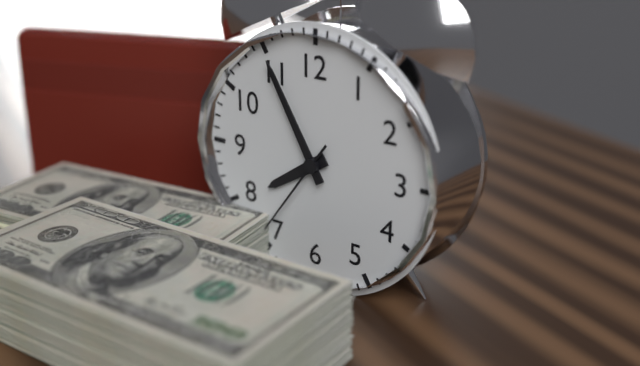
7:55:36
